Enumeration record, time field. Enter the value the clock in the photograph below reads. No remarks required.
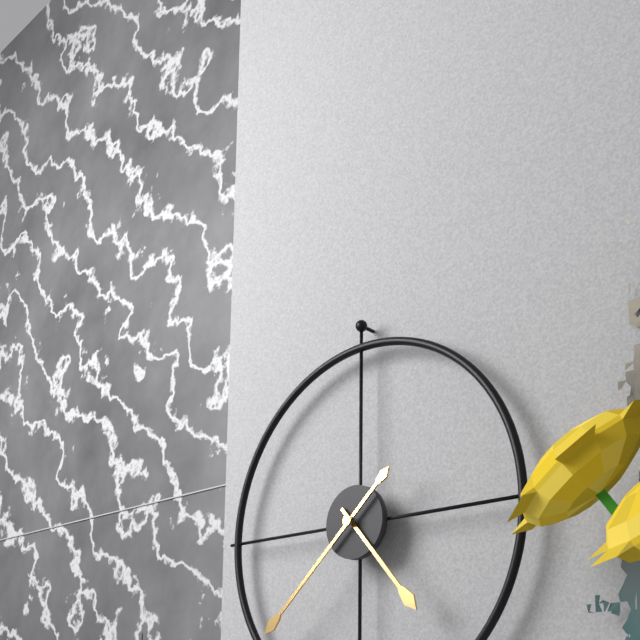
4:38
